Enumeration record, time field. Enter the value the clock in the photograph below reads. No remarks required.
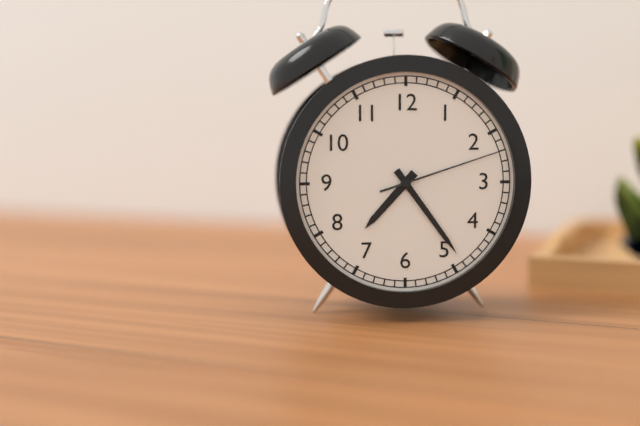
7:24:12
